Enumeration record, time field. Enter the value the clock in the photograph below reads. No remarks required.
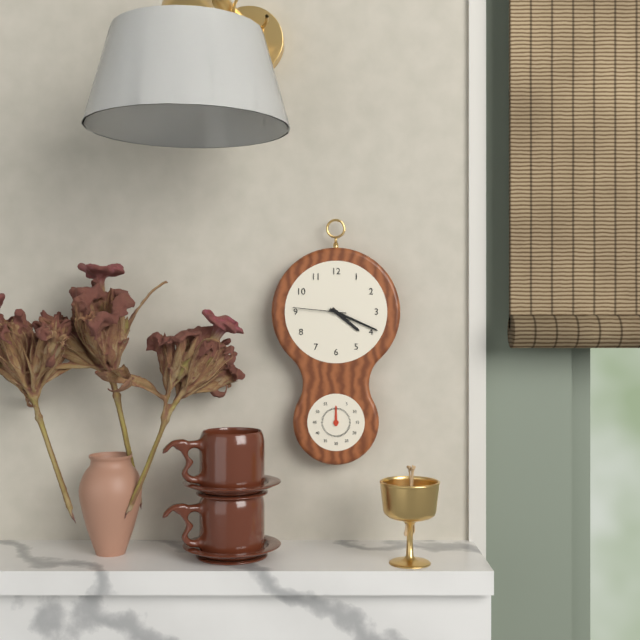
4:19:46
